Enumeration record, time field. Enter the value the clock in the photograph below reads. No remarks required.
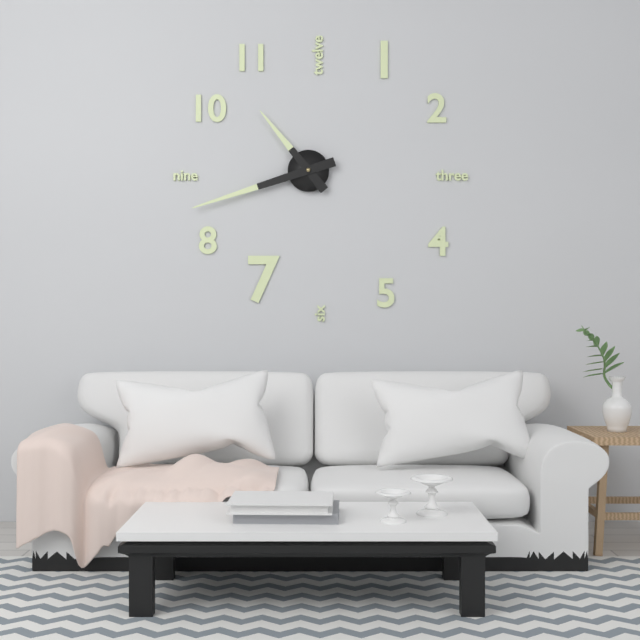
10:42
